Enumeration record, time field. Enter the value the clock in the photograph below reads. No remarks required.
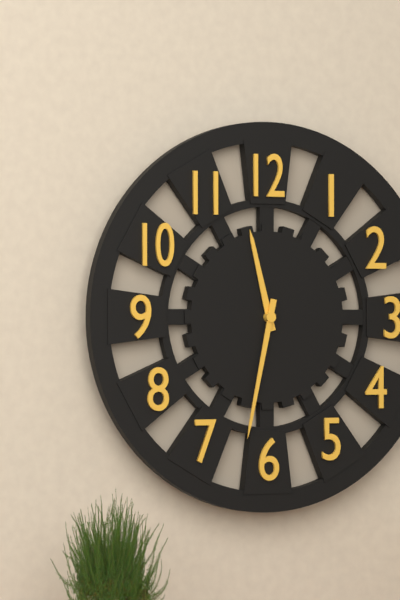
11:32
